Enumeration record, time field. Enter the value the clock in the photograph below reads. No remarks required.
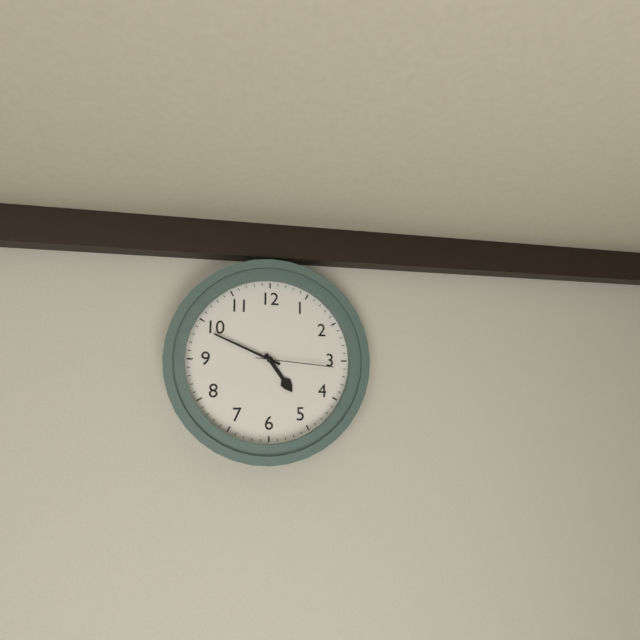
4:49:16
